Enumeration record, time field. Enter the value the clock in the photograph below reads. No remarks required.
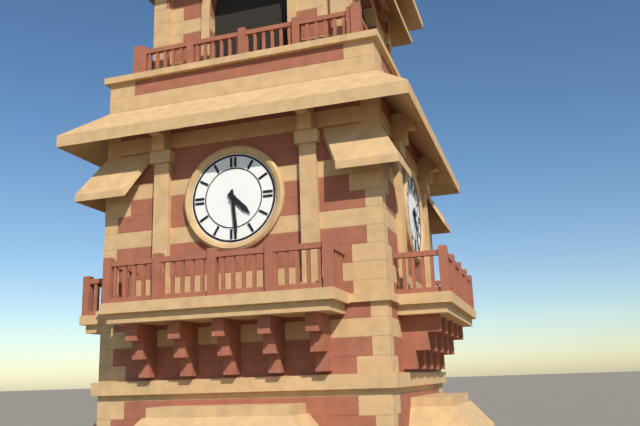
4:29
